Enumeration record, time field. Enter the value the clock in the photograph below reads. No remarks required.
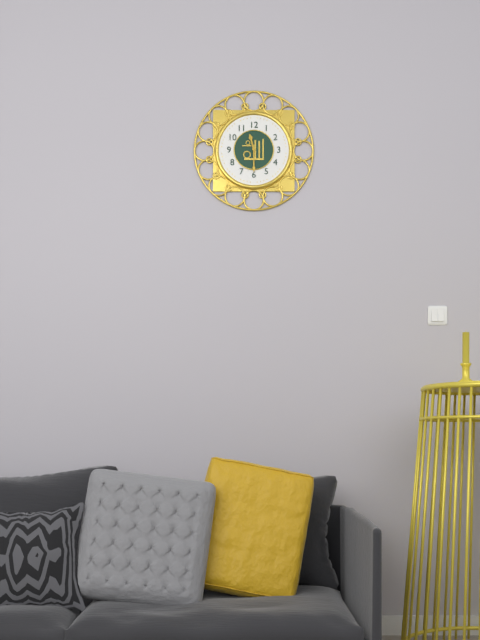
11:30
